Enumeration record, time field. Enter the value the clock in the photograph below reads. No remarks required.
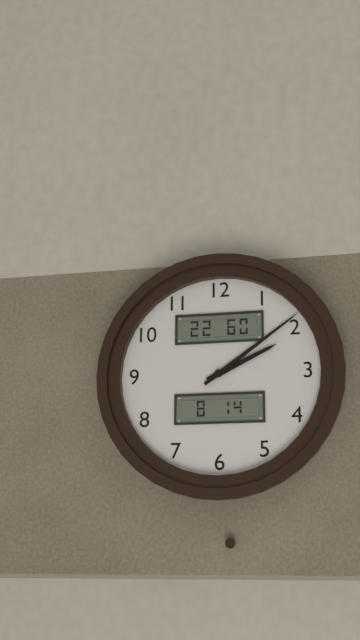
2:09
